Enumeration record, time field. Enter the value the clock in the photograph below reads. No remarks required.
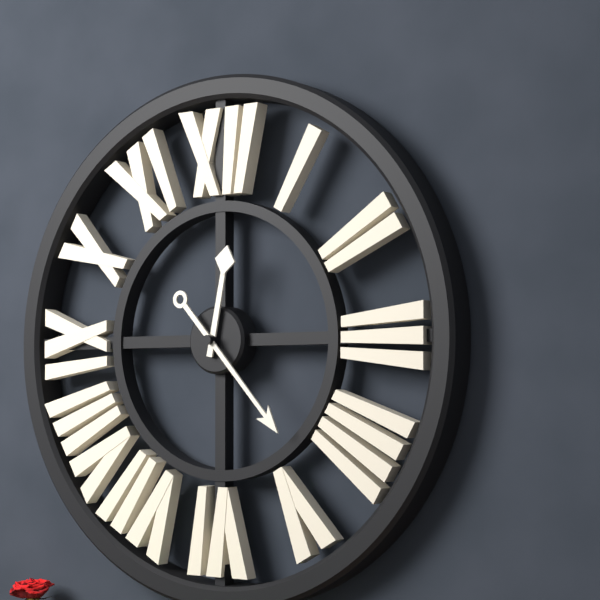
12:23
